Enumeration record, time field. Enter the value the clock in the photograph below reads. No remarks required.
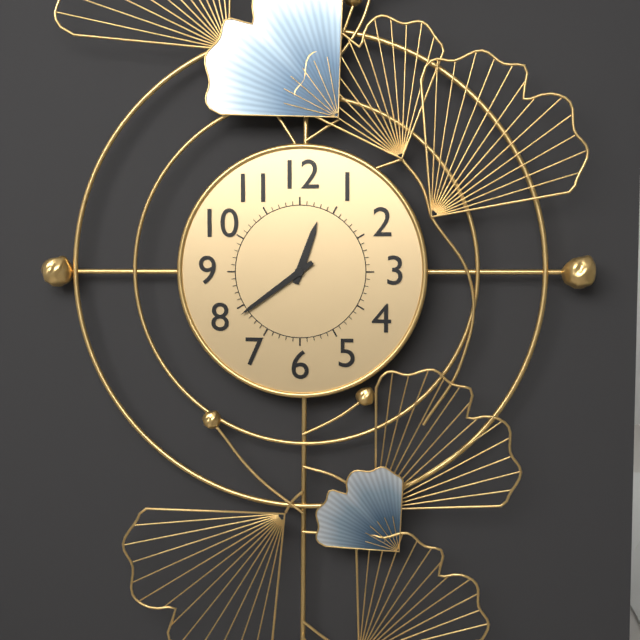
12:39
